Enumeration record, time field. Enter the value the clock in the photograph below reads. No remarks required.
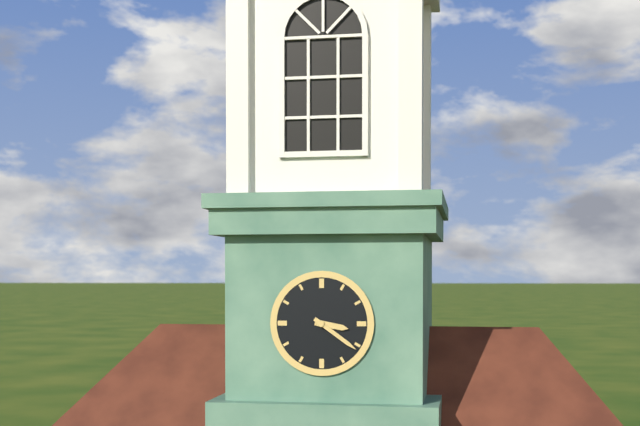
3:21
